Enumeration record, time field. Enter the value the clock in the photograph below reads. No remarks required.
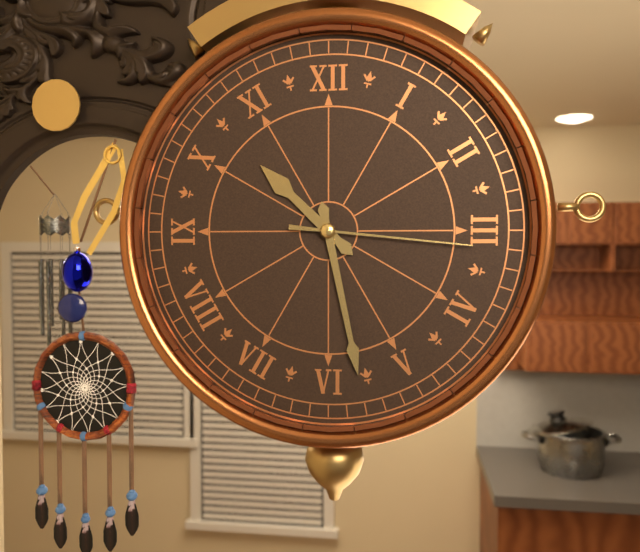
10:28:16
